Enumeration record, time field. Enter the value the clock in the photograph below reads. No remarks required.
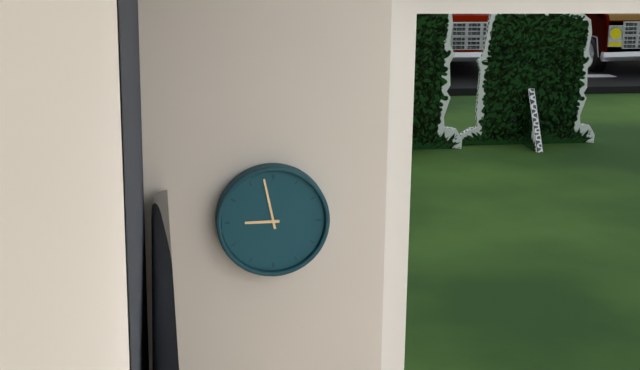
8:58
